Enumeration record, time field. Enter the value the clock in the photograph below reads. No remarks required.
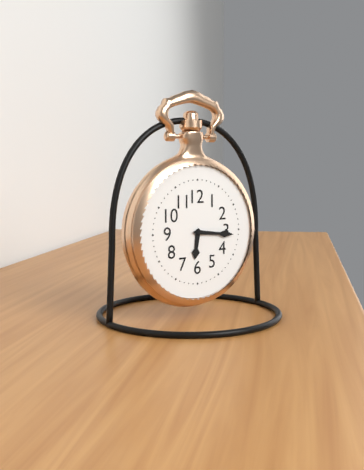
6:16
